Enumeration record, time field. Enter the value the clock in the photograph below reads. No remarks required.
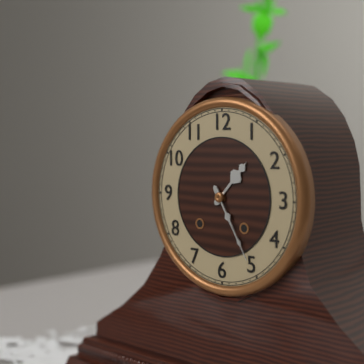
1:25
